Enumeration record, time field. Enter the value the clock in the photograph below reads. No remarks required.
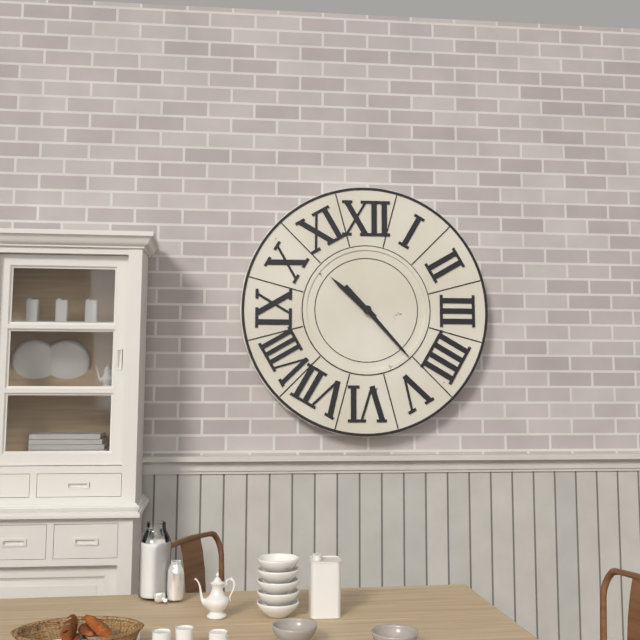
10:23
